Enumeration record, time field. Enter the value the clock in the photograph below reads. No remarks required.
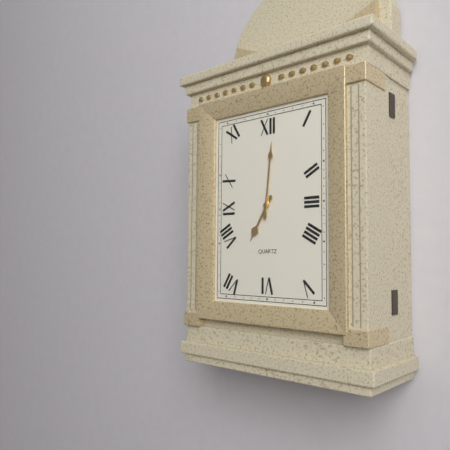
7:01
